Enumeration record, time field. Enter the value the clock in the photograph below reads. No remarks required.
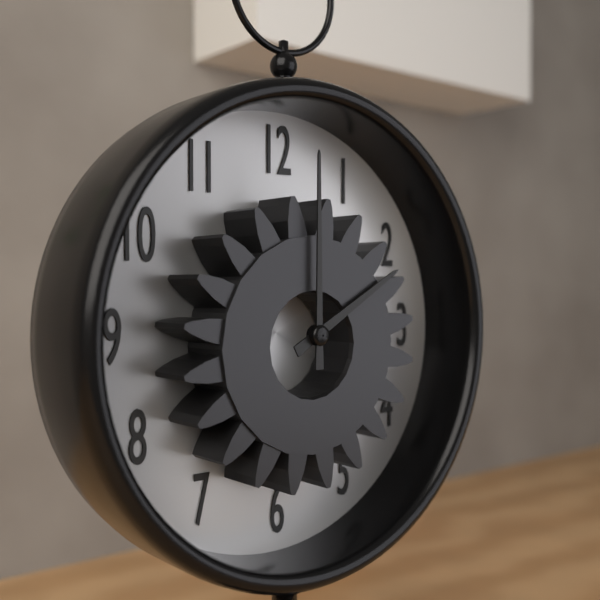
2:00
